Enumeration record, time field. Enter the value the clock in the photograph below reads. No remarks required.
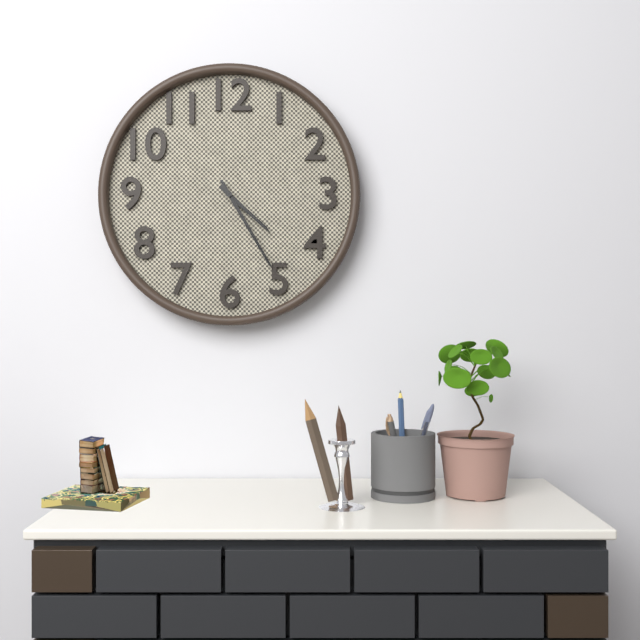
4:25
